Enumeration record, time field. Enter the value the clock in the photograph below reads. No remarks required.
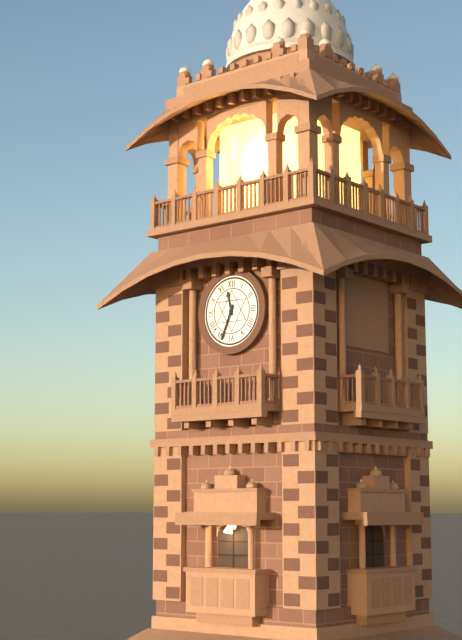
11:34
